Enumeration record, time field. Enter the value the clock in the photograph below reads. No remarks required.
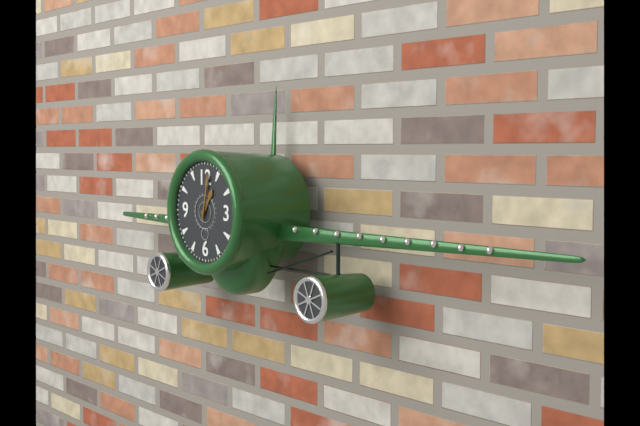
1:02
